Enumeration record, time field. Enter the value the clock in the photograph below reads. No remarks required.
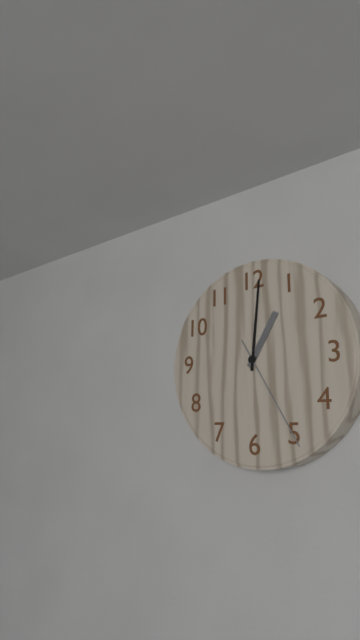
1:01:25
